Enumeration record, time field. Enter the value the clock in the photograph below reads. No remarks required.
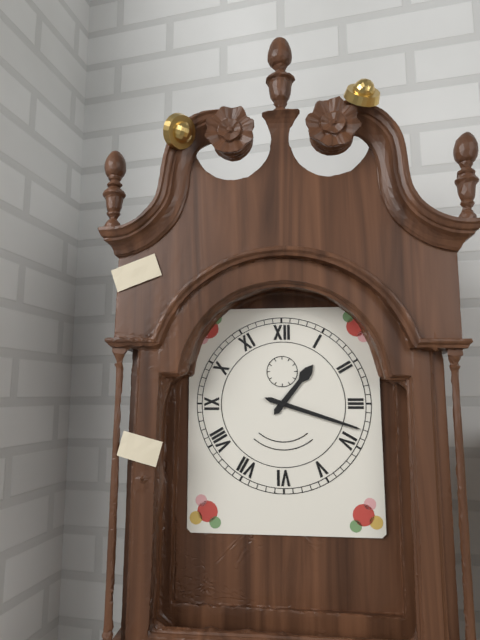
1:18
